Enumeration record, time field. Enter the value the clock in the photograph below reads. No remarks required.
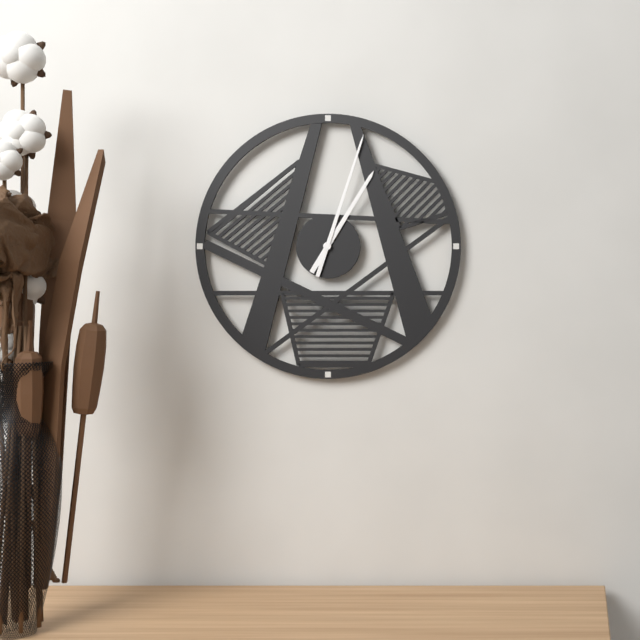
1:03
